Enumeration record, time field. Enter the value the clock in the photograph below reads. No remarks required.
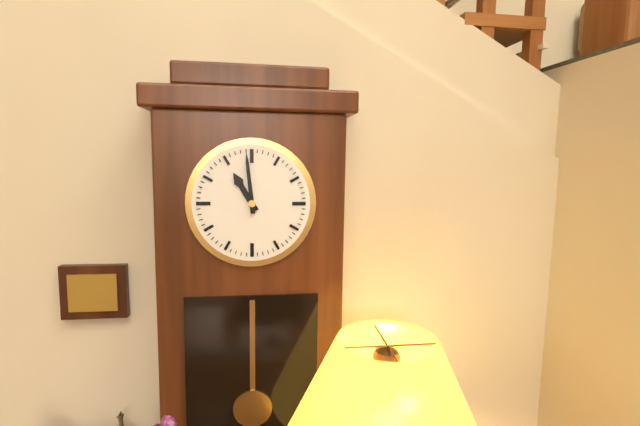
10:59
